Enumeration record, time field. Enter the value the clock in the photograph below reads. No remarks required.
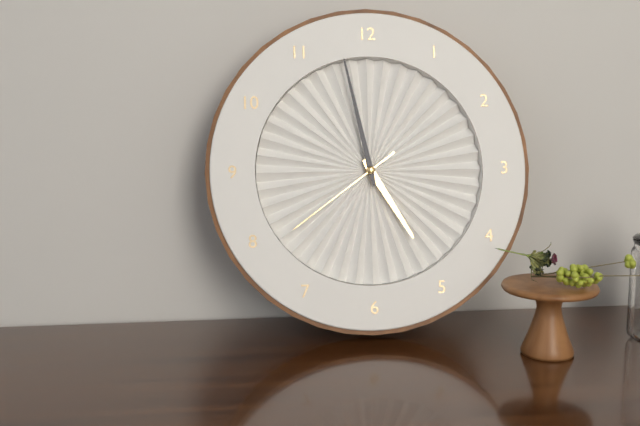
4:58:39
